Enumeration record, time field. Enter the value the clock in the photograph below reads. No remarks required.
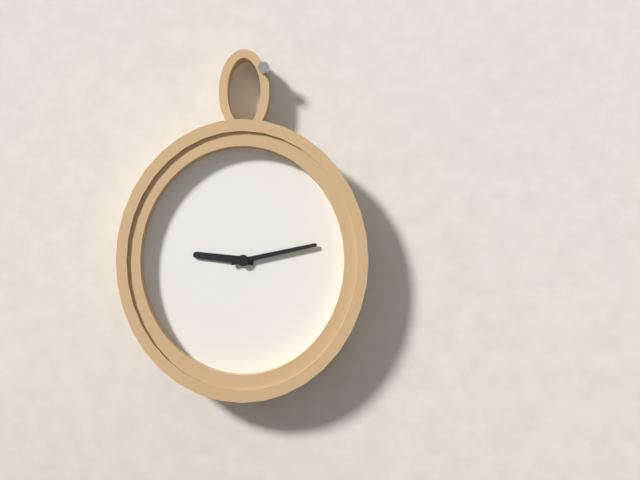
9:13
